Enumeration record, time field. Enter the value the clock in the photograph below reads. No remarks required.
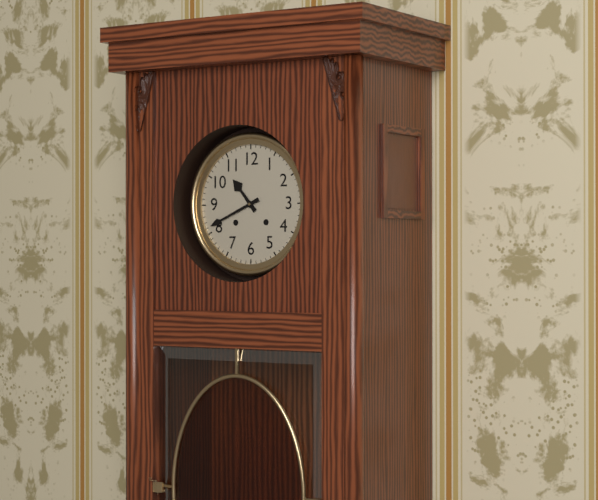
10:41
